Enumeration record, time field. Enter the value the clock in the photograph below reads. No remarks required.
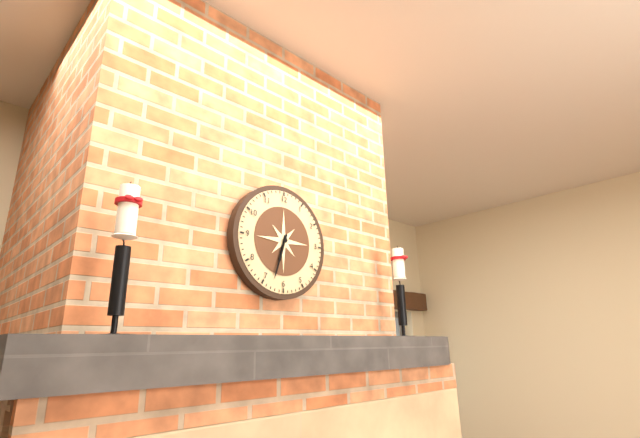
6:33
